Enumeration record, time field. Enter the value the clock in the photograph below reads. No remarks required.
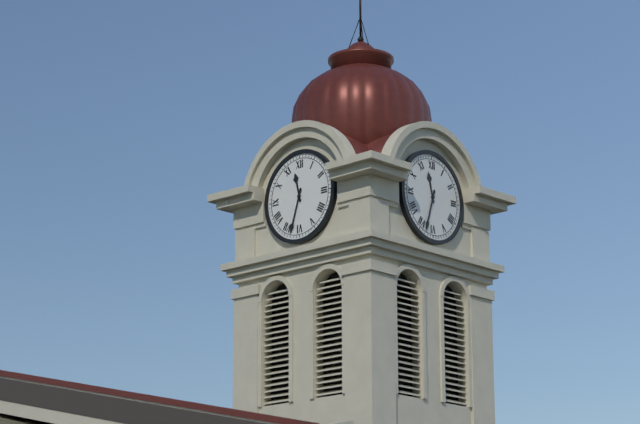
11:33
